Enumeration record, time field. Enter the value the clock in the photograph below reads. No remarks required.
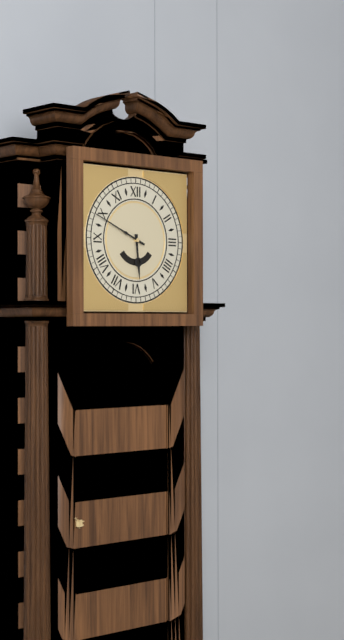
5:49
